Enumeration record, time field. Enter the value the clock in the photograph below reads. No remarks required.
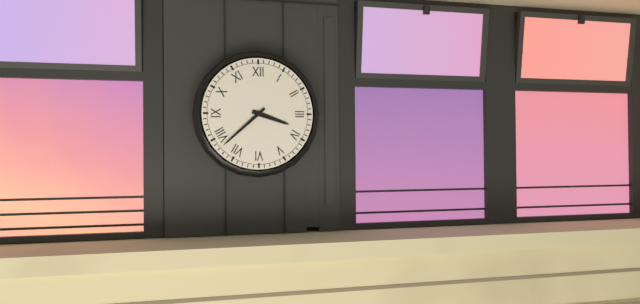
3:38
